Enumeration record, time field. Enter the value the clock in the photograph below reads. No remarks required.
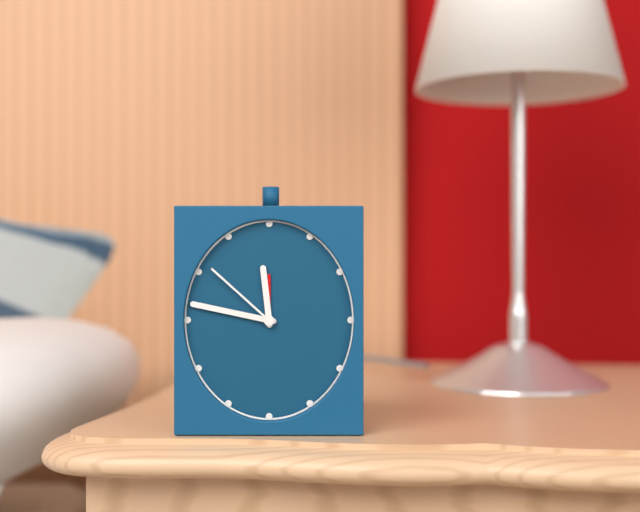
11:47:52
